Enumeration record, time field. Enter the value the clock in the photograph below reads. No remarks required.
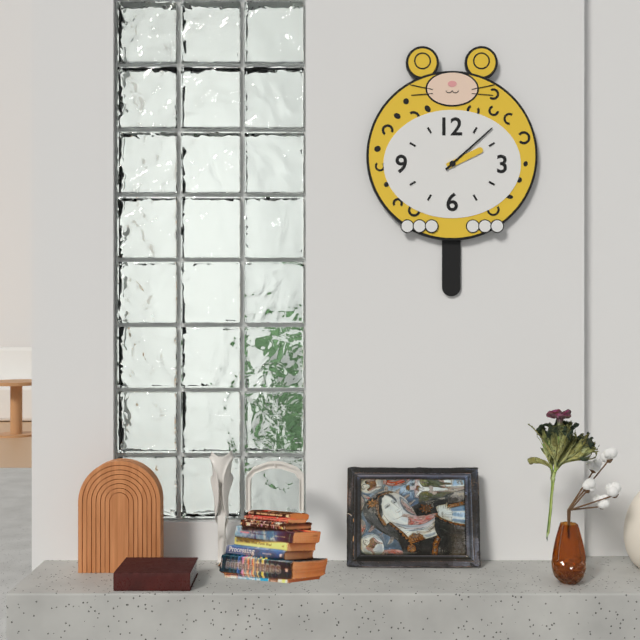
2:08
